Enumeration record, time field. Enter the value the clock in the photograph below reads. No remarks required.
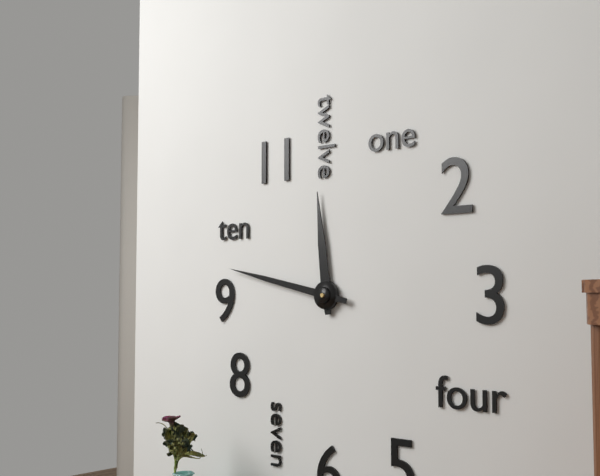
11:47
